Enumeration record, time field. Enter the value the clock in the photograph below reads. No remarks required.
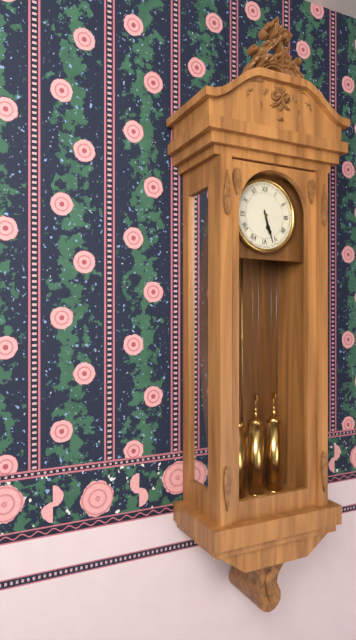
5:27
